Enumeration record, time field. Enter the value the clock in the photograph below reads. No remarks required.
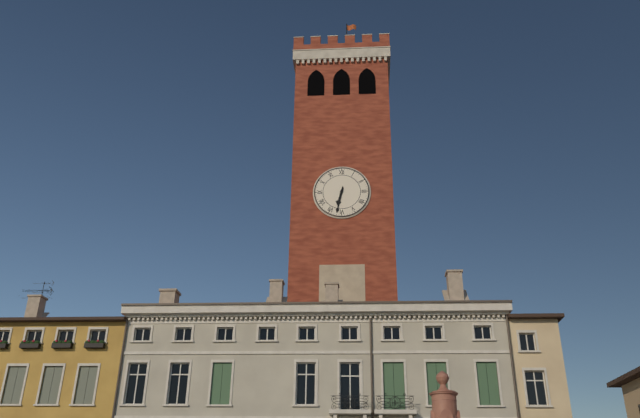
6:32
